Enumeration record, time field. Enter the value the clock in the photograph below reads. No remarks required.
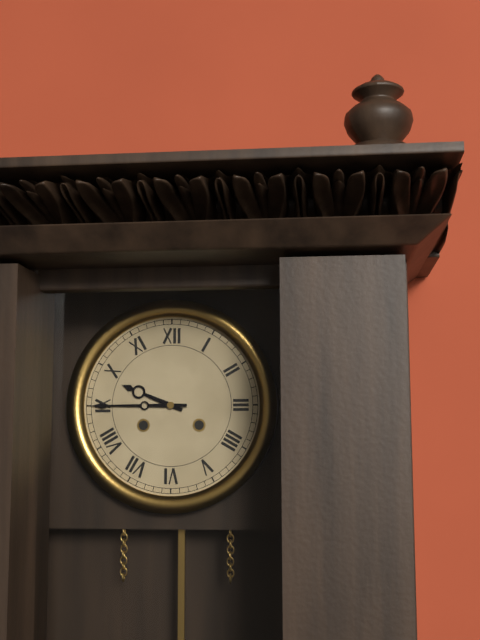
9:45
